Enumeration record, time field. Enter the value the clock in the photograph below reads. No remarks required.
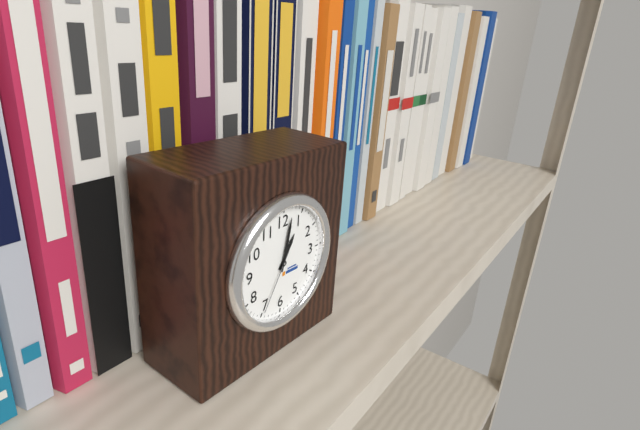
1:02:35
